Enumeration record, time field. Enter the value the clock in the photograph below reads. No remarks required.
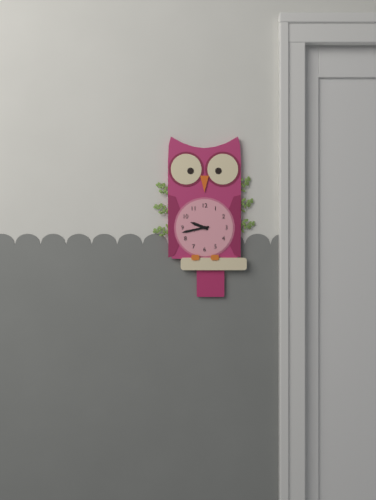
9:43
